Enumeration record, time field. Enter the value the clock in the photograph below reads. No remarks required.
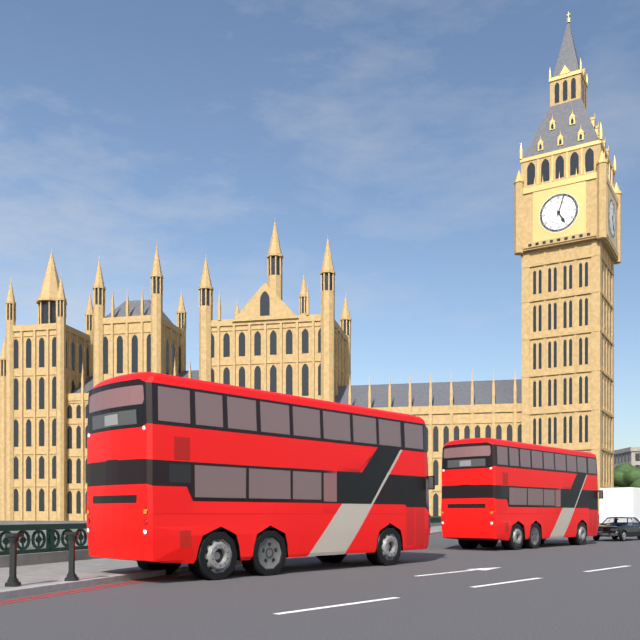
5:03
